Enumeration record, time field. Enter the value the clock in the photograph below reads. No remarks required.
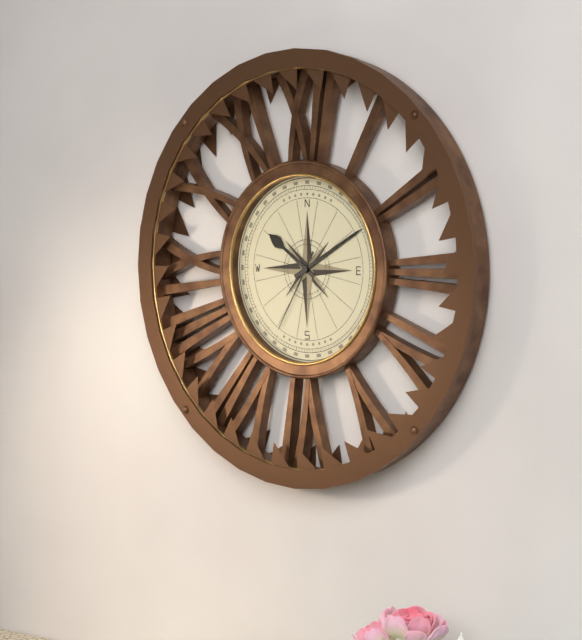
10:10:35
